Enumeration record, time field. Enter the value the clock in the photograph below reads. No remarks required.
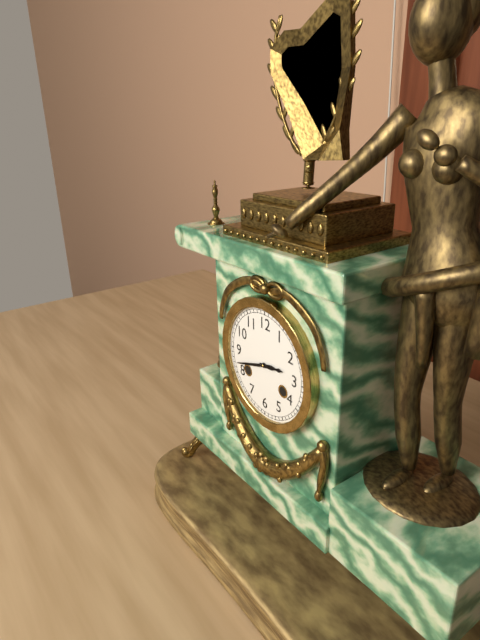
2:42
